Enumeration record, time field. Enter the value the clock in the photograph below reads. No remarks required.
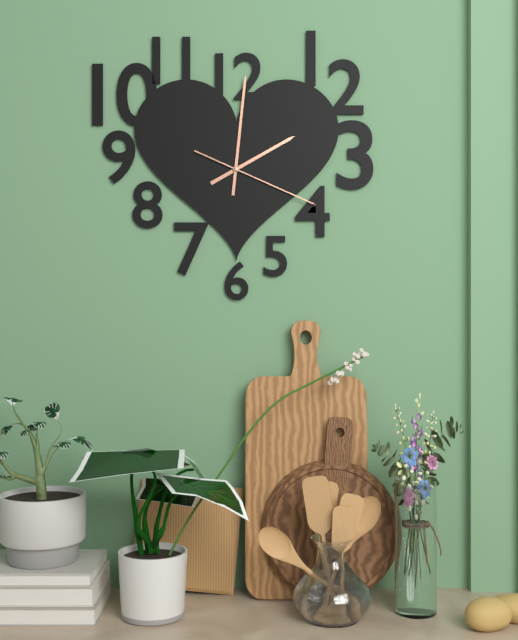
2:01:19
